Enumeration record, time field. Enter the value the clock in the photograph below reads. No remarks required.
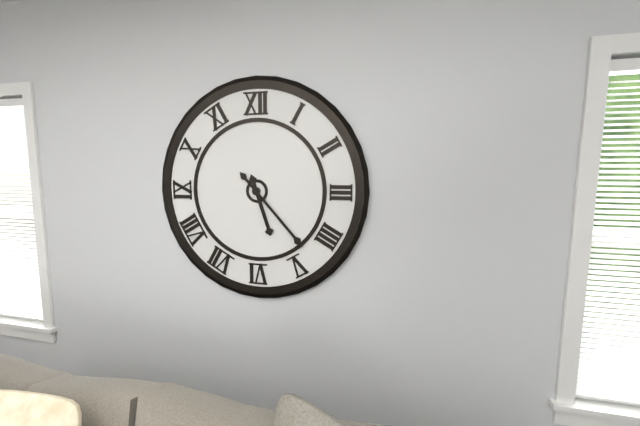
5:23
